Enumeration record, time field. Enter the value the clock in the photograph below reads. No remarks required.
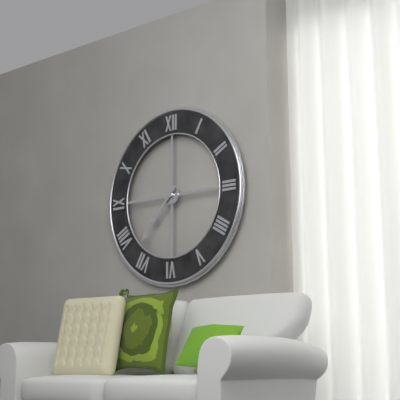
7:37
